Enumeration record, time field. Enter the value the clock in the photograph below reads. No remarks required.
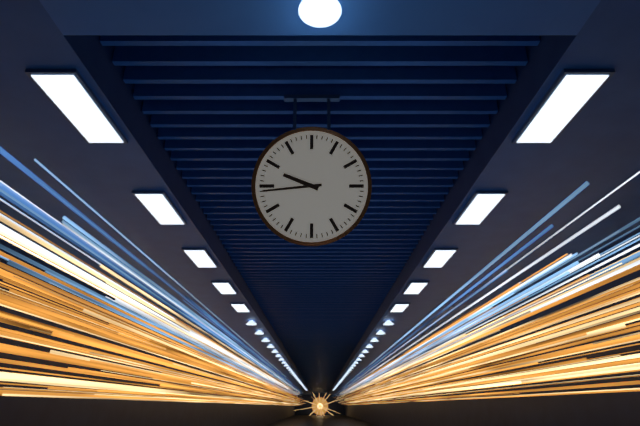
9:44
